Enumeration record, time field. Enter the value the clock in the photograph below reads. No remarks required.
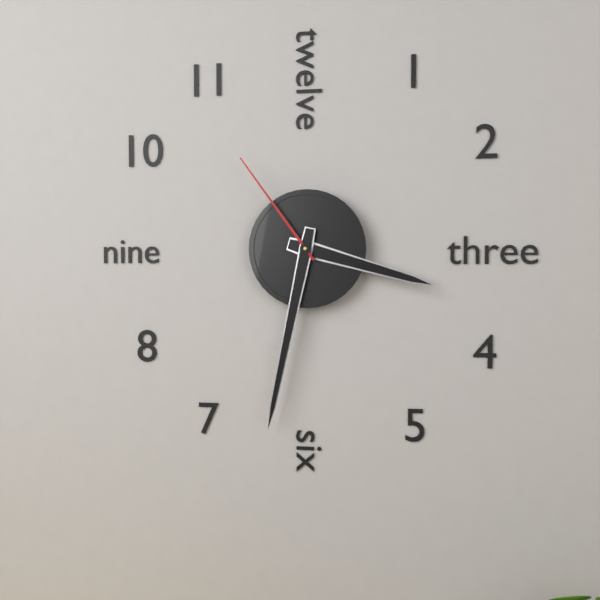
3:32:54
